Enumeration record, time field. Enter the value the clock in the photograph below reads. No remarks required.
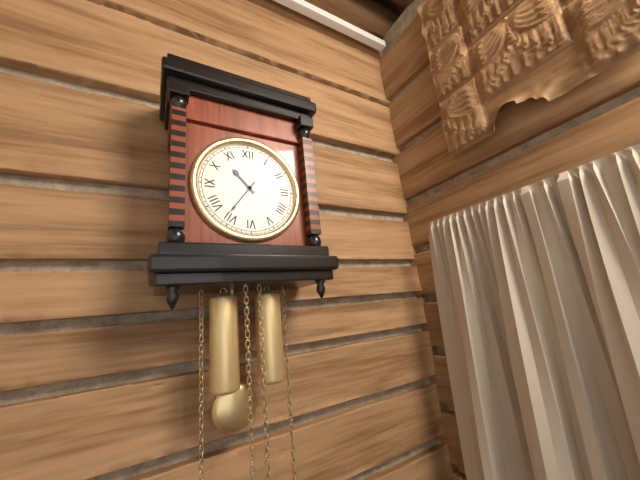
10:36
